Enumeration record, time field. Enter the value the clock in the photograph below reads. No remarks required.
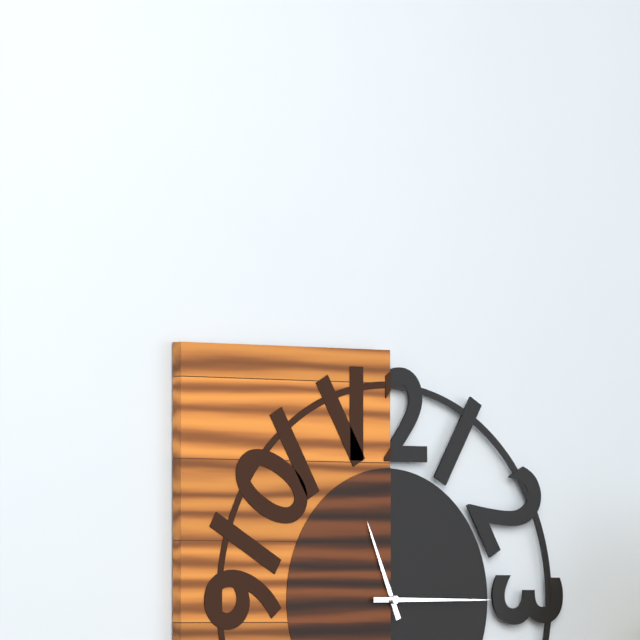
11:15
